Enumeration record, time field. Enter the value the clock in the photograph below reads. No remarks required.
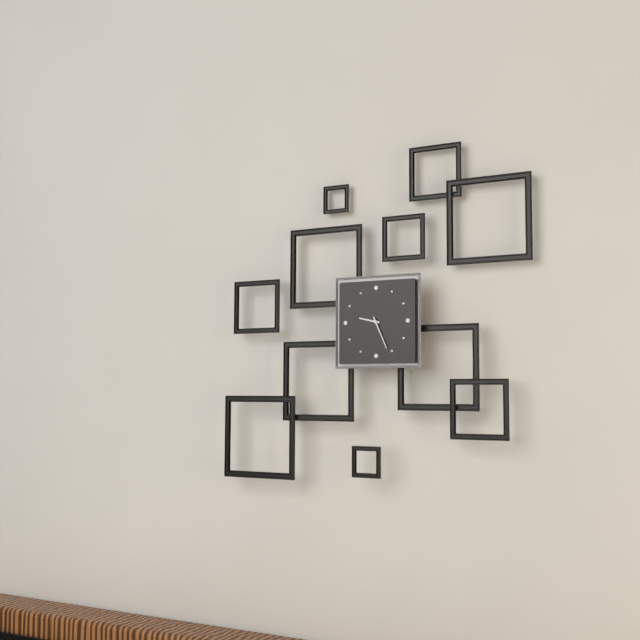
9:26
